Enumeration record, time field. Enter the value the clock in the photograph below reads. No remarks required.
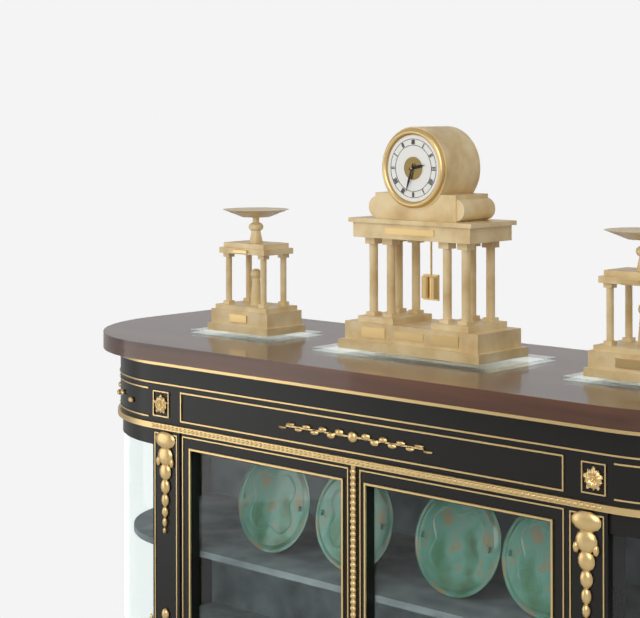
2:33
